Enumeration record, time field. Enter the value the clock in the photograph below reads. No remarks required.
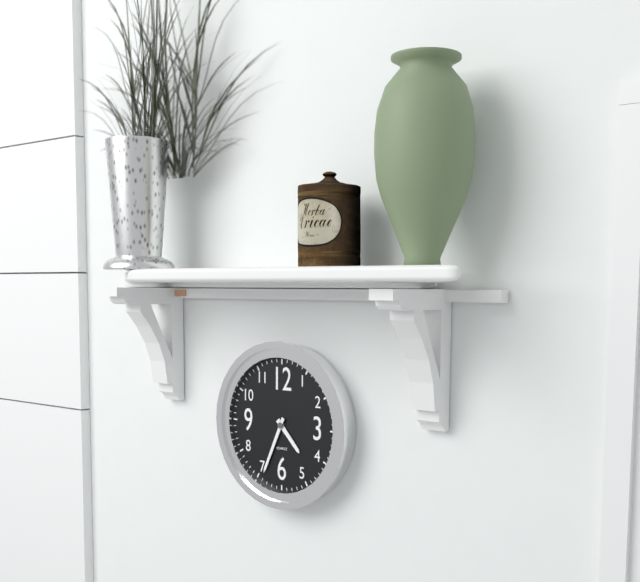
4:34
